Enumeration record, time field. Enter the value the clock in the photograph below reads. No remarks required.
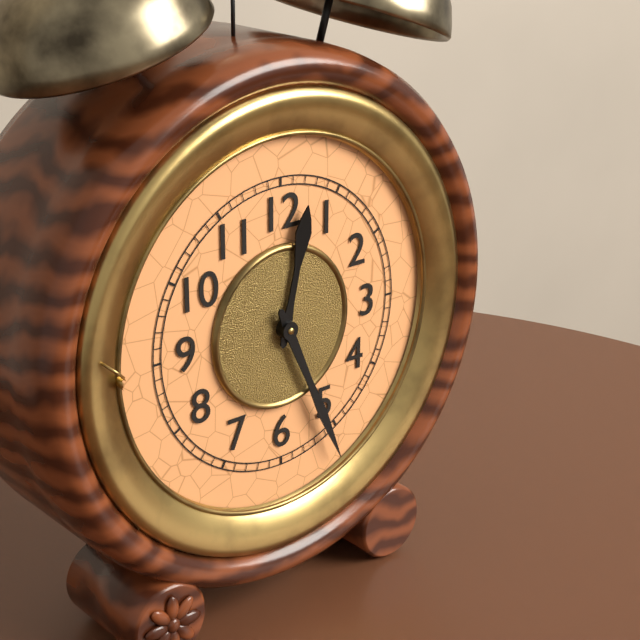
12:26
